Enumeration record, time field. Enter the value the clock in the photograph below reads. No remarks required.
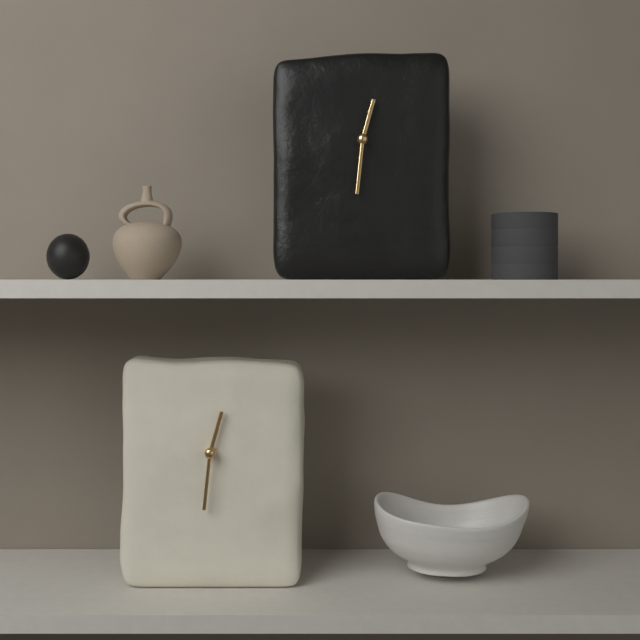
12:31
